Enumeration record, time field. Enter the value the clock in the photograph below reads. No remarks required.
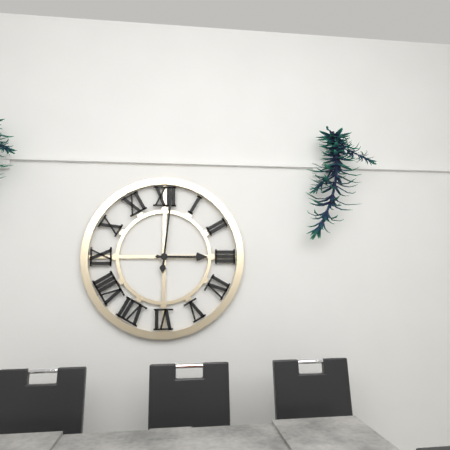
3:01
